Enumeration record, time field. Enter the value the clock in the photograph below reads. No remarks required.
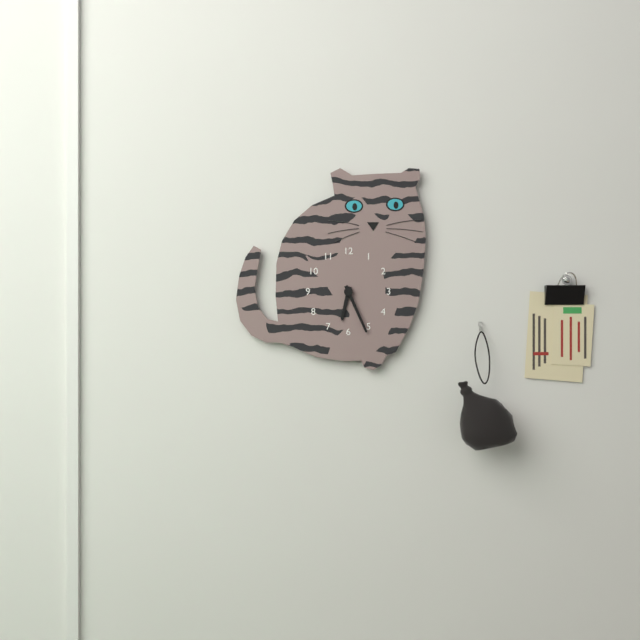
6:26
